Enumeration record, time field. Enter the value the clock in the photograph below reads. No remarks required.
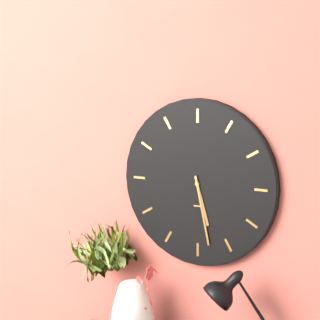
5:28
